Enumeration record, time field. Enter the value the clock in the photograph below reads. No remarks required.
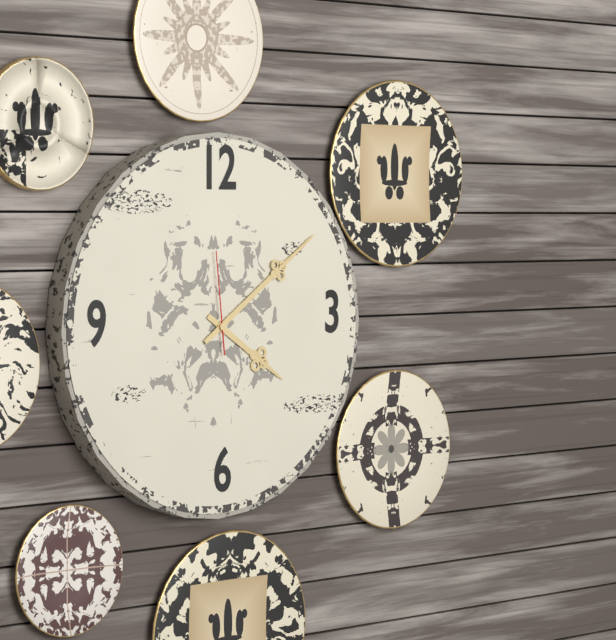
4:09:59
